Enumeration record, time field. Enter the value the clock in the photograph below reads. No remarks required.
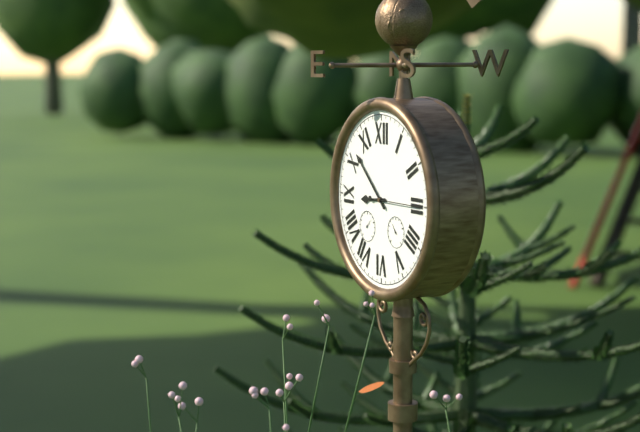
8:52
